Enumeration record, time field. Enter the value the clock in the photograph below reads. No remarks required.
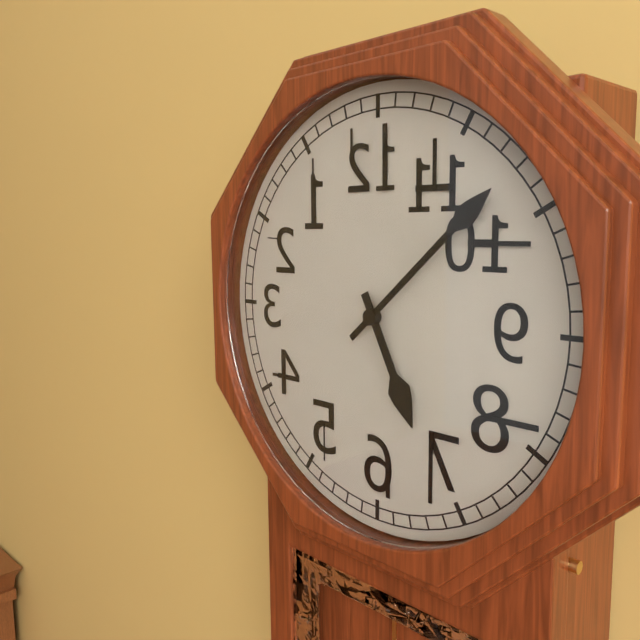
5:08
